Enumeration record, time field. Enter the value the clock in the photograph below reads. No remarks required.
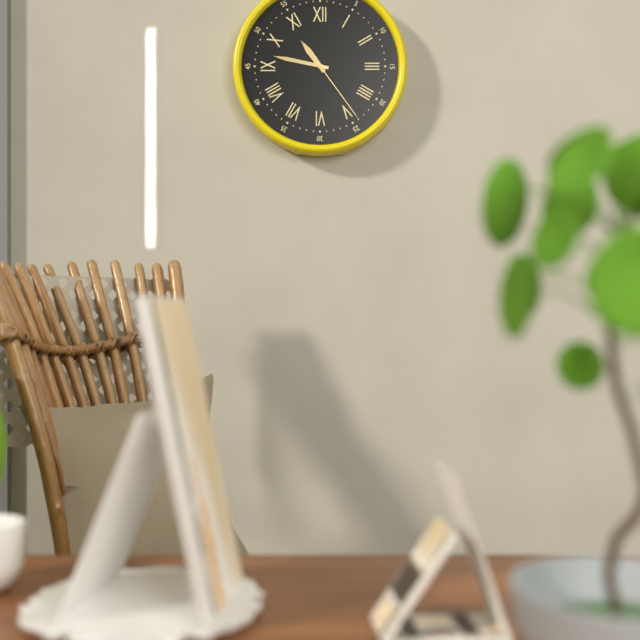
10:47:24
